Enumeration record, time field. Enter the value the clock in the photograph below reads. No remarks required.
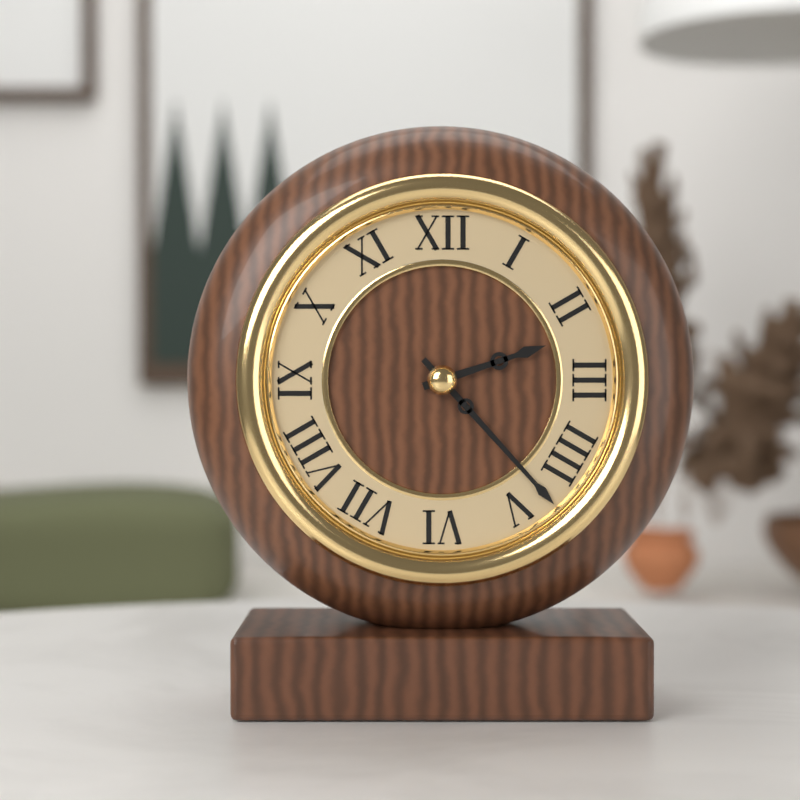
2:23
